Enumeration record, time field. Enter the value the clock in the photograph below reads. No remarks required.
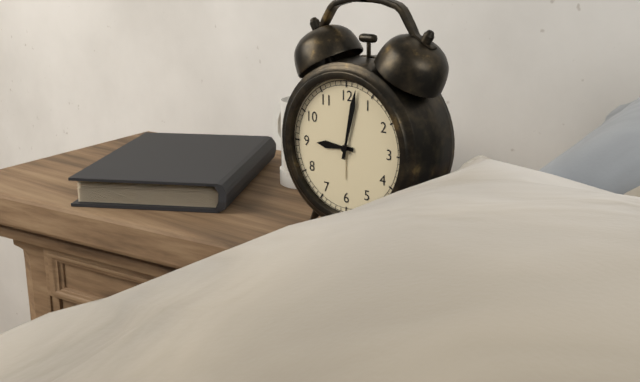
9:02
